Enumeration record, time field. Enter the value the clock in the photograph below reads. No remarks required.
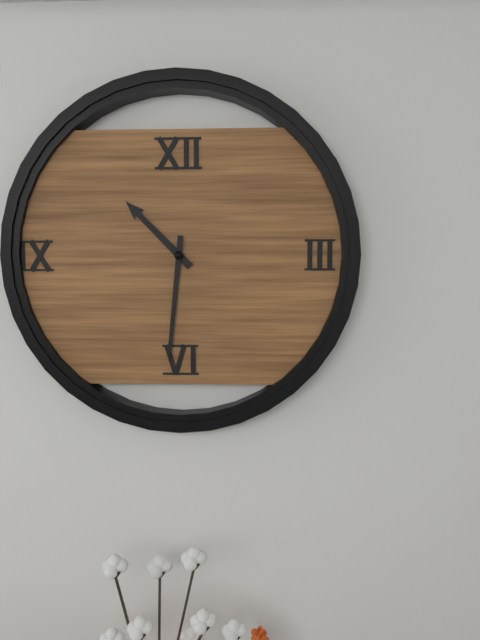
10:31
